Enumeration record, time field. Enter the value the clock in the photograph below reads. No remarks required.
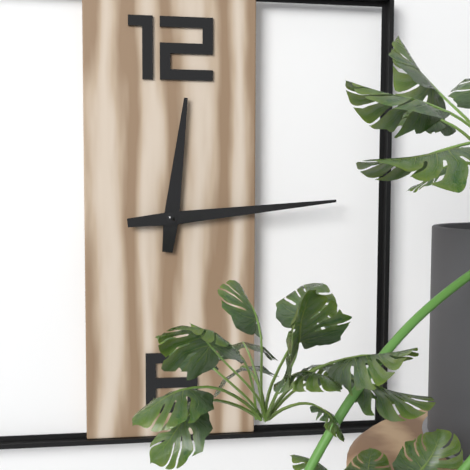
12:14
